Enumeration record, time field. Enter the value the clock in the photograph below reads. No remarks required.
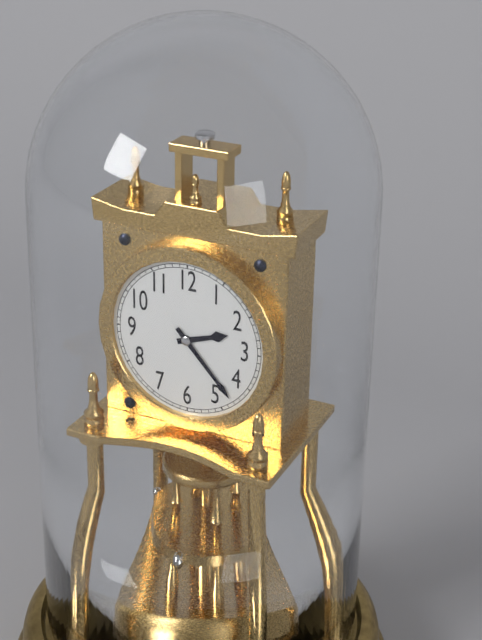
2:23
